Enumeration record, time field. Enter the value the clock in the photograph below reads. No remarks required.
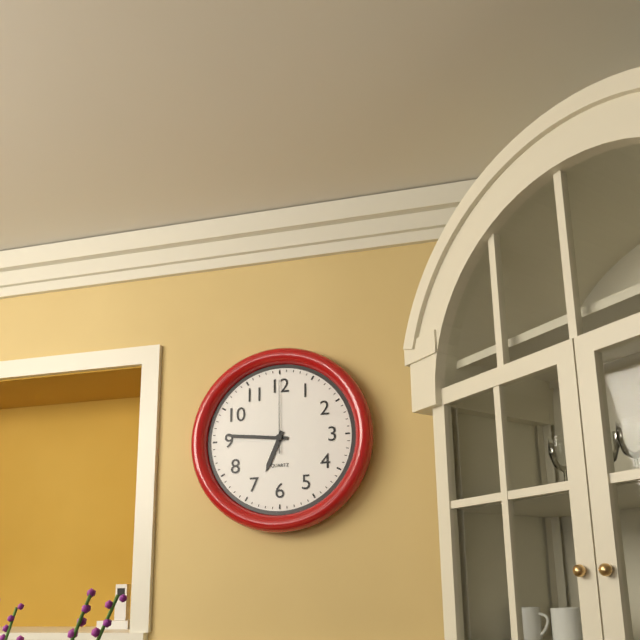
6:46:00
